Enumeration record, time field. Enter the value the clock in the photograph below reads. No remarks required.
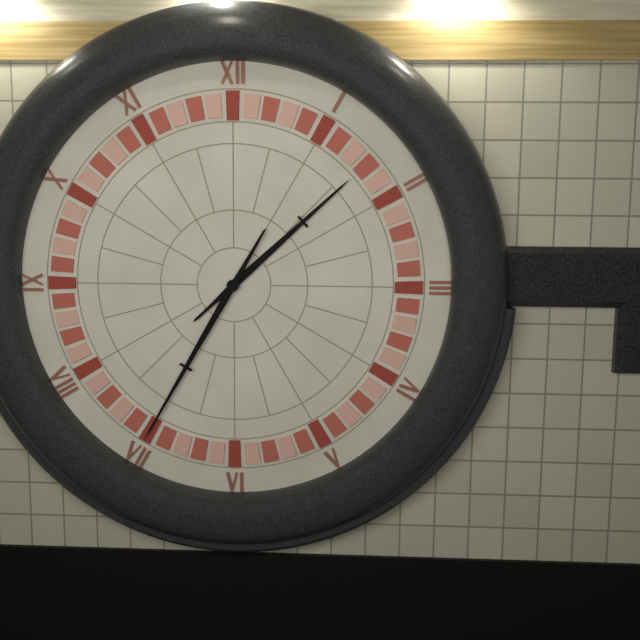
1:35
